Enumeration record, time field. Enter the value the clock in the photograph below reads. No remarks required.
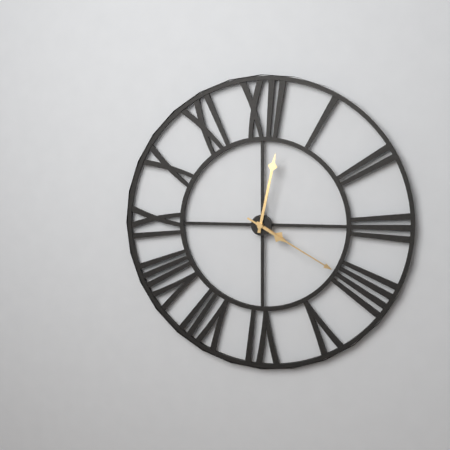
4:02:20
